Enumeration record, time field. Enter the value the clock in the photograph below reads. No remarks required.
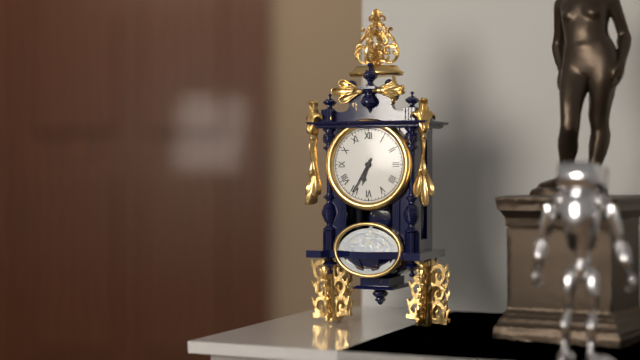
6:35
